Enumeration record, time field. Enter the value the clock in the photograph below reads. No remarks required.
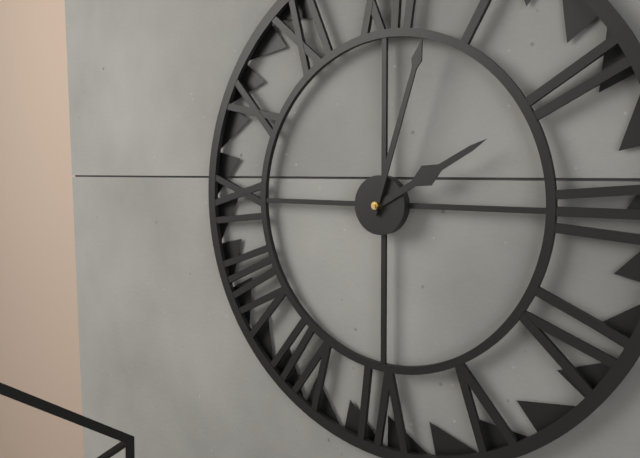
2:03
